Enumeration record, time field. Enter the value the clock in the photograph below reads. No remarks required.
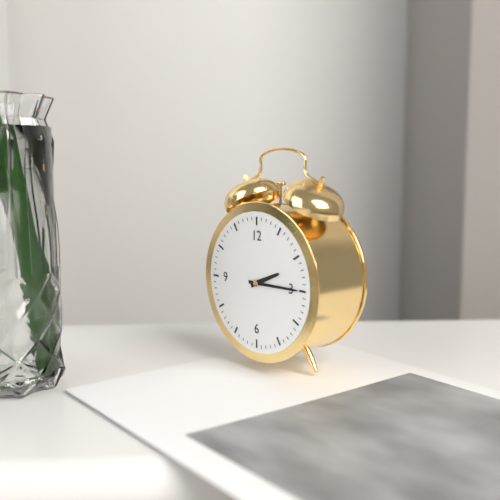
2:15
